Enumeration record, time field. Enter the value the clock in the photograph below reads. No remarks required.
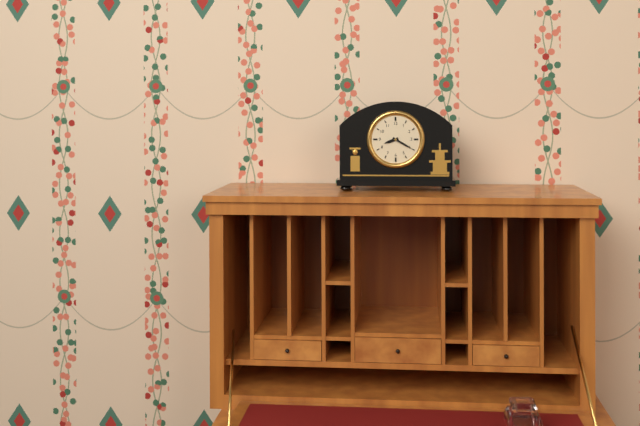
8:20
